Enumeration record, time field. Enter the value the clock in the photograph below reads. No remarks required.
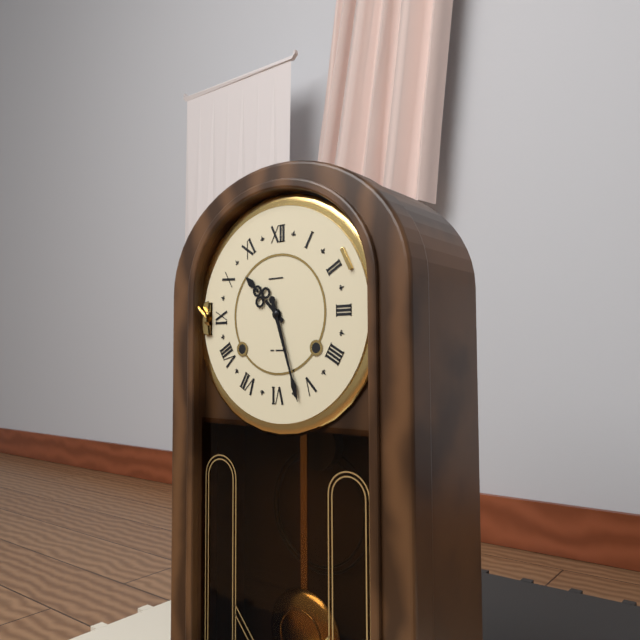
10:27
